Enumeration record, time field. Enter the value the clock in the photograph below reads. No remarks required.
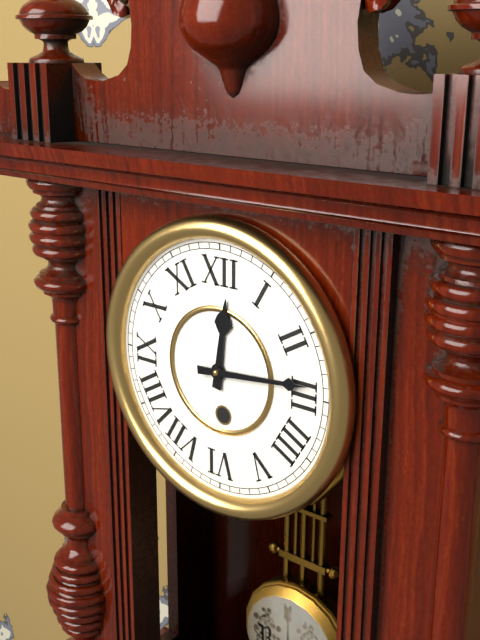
12:14
